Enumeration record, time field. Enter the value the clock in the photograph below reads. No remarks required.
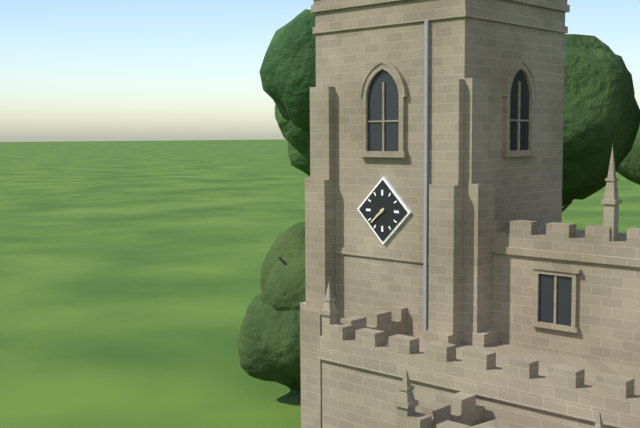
7:38
